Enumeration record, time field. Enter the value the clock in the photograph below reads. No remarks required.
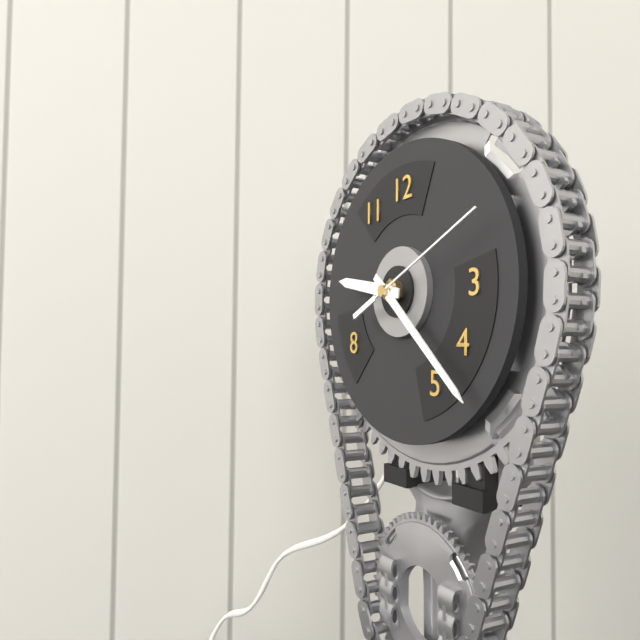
9:22:11
